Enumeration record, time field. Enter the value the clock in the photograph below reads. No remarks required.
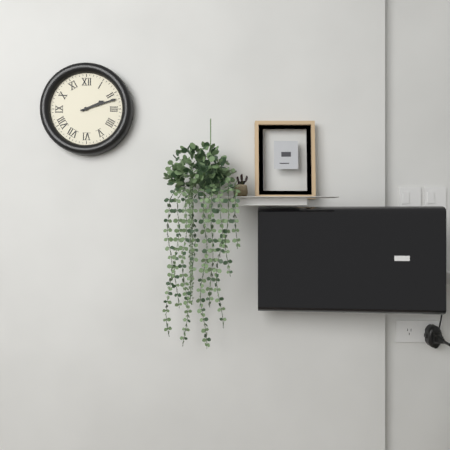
2:12
